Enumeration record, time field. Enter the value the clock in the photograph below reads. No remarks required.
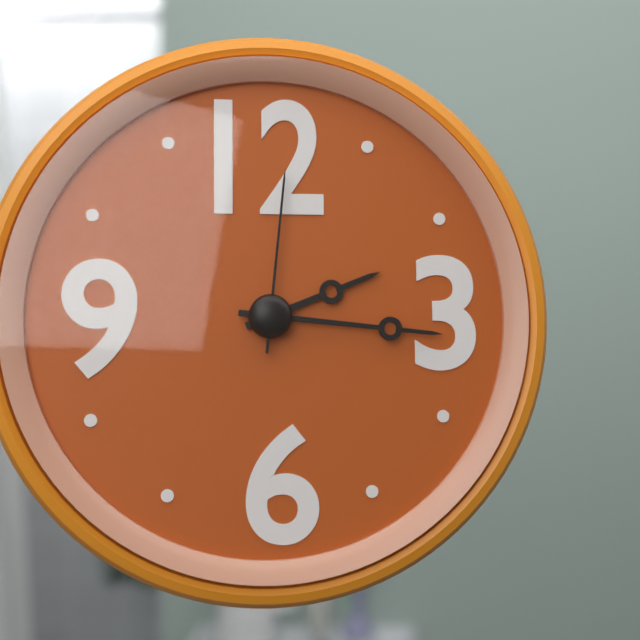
2:16:01
